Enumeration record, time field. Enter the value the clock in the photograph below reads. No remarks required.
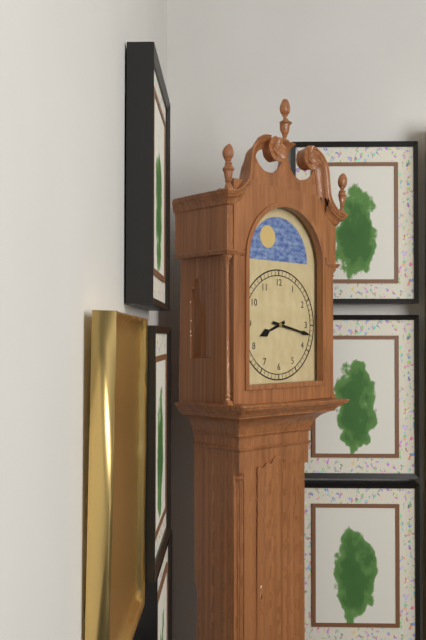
8:17
